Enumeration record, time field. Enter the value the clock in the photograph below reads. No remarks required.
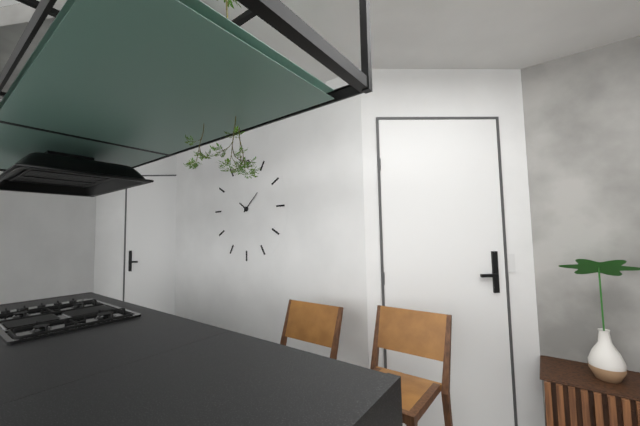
10:08
